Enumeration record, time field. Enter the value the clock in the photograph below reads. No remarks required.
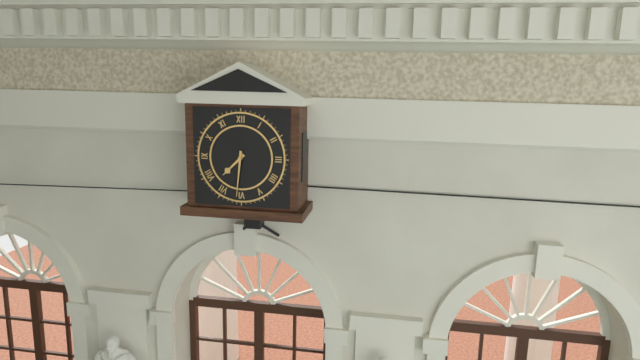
7:31
